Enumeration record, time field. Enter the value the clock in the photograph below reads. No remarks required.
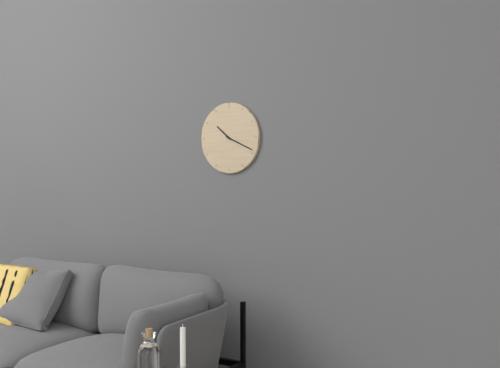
10:19
